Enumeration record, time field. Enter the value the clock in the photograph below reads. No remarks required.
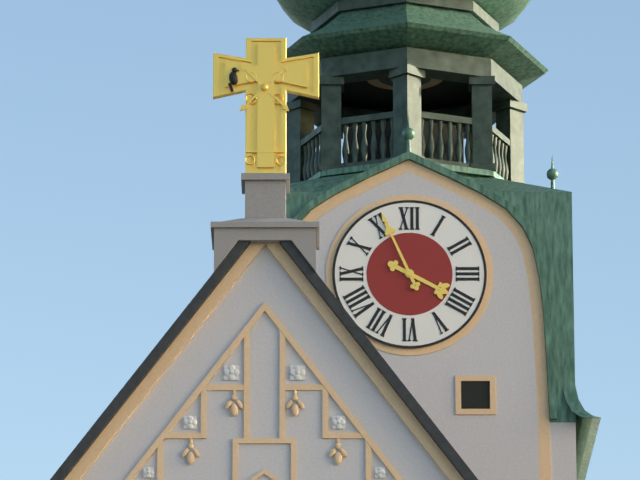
3:56
